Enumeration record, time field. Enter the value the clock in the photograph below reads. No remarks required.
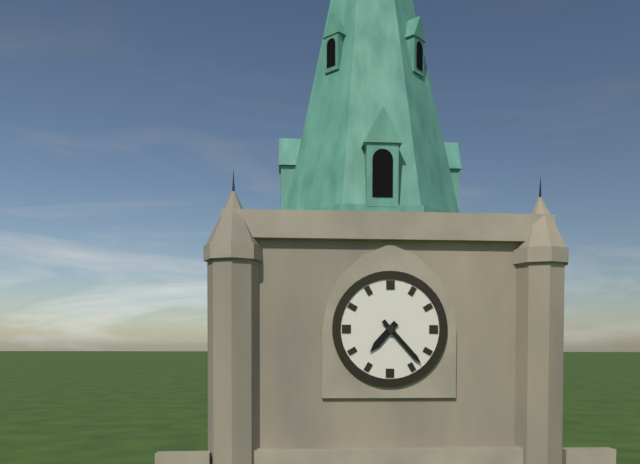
7:23
